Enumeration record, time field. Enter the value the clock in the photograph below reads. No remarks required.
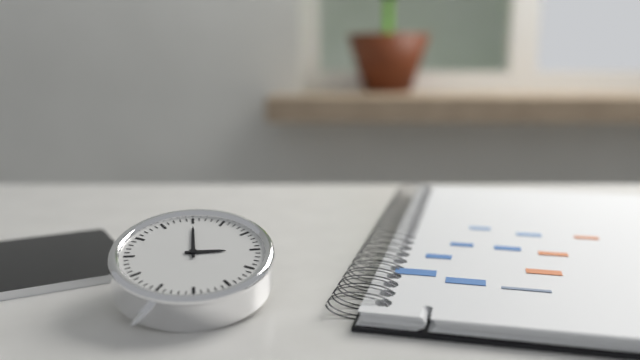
3:00
